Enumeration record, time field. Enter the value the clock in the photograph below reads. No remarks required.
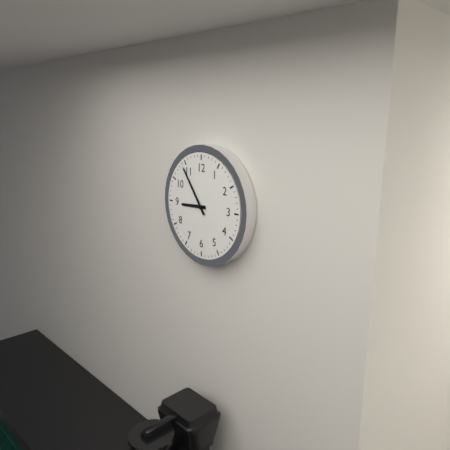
8:54
